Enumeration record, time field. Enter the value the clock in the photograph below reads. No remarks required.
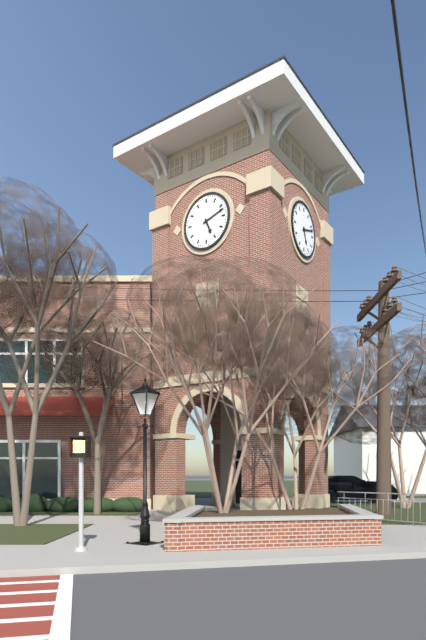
5:12
